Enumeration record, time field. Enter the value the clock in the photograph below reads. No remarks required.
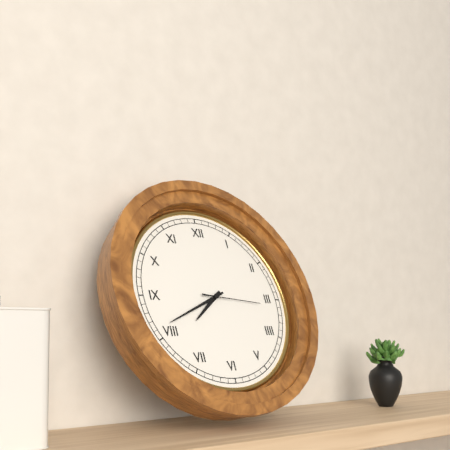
7:41:16
